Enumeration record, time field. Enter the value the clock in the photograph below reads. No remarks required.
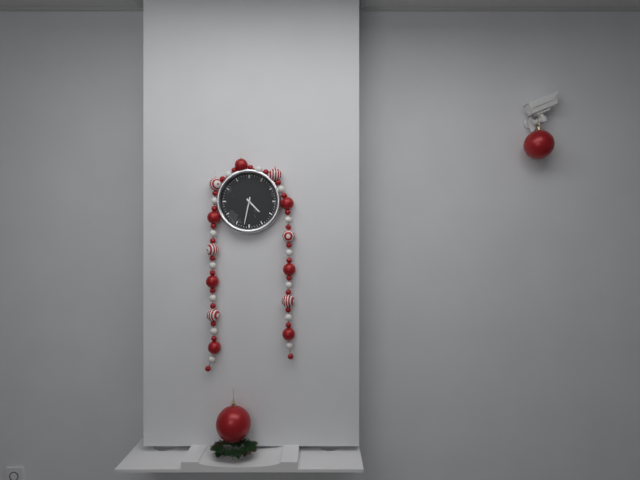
4:32
